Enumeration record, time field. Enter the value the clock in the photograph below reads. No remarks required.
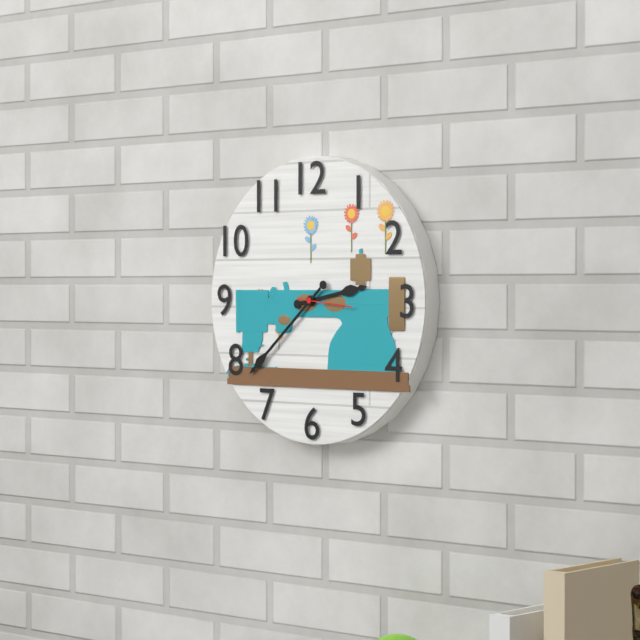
2:38
